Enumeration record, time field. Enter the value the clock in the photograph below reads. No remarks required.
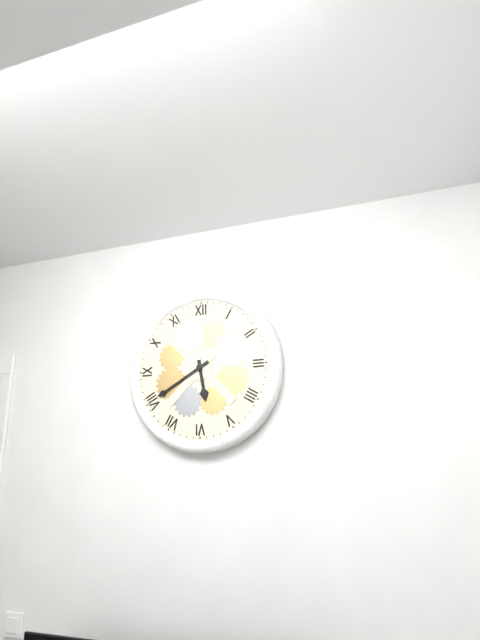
5:40
